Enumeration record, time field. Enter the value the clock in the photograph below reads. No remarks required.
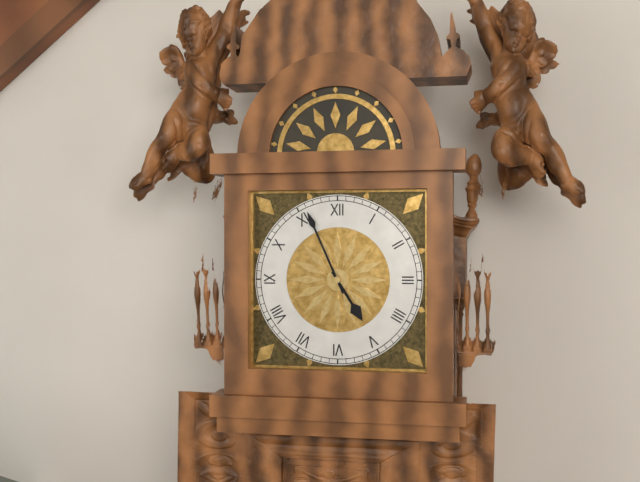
4:56
